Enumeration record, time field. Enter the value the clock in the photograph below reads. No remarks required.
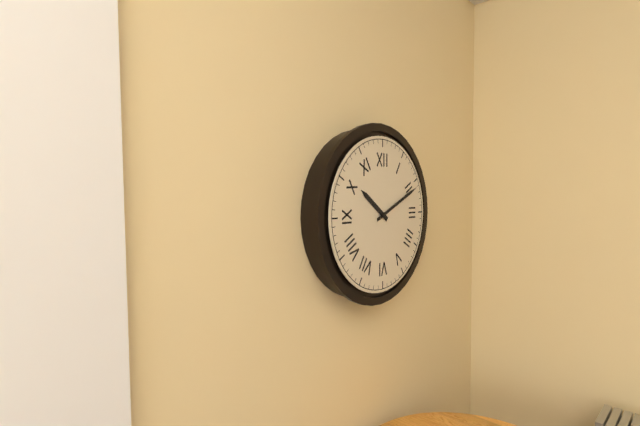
10:11
